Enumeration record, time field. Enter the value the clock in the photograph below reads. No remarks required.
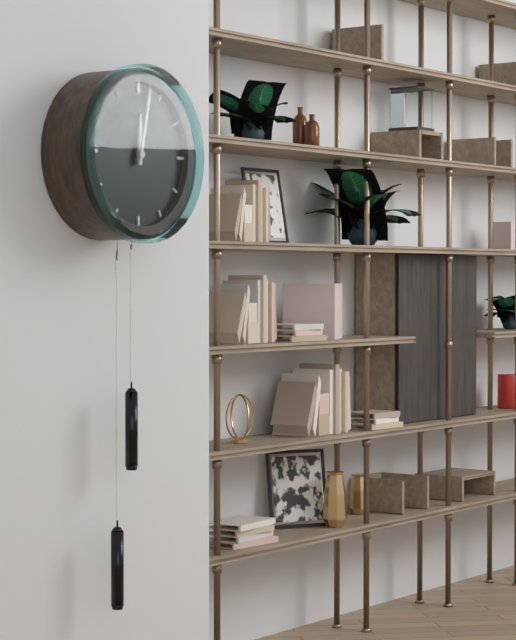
12:02
